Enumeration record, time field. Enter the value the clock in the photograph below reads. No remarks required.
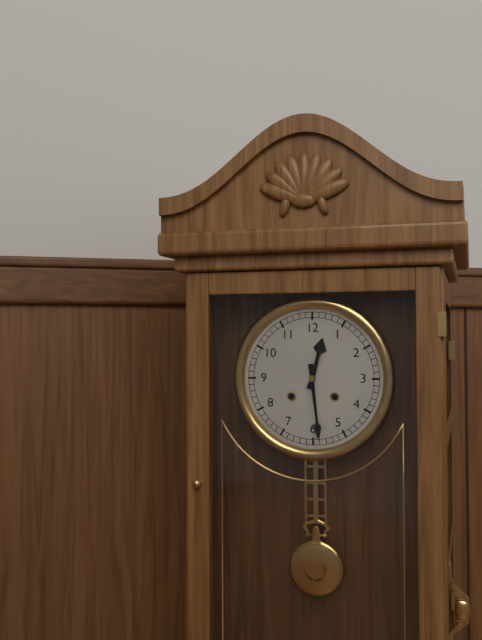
12:29
